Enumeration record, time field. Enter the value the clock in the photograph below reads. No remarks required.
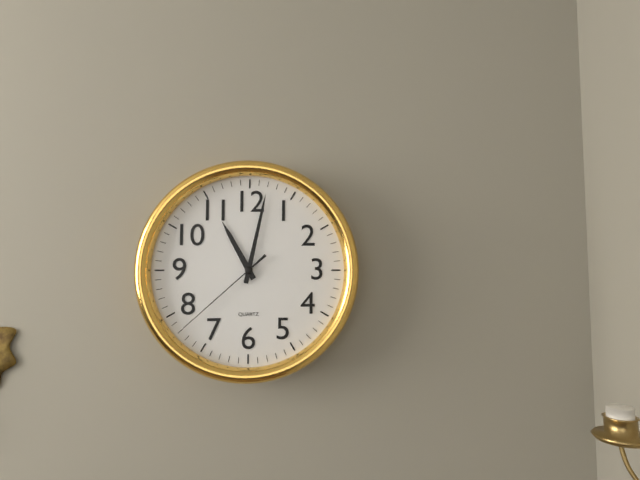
11:02:38
